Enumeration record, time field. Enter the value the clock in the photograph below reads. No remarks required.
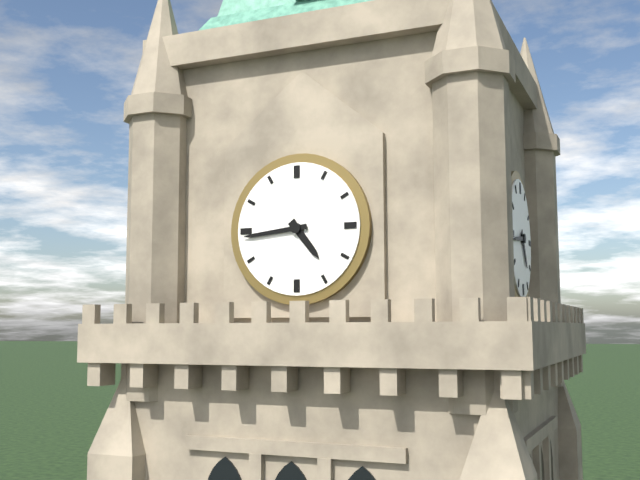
4:44
